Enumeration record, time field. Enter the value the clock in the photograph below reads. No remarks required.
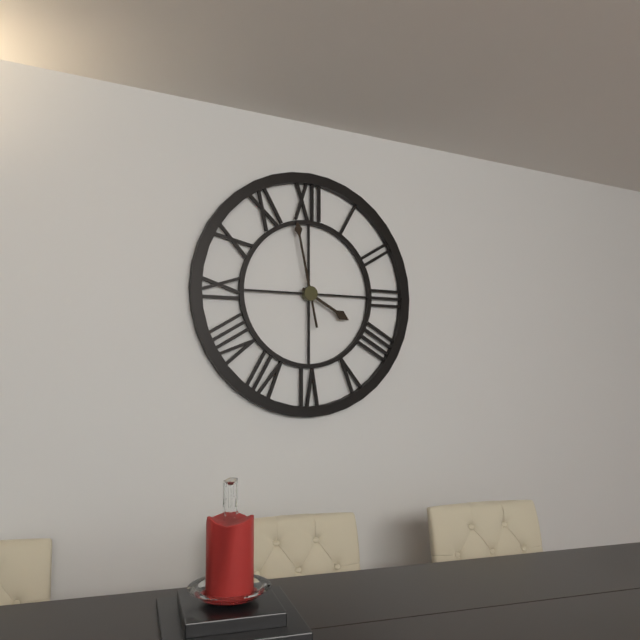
3:58
